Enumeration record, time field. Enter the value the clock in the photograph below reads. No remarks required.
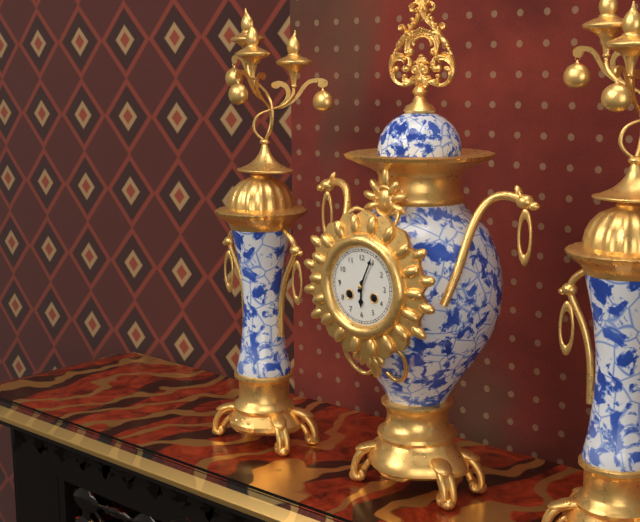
6:04
